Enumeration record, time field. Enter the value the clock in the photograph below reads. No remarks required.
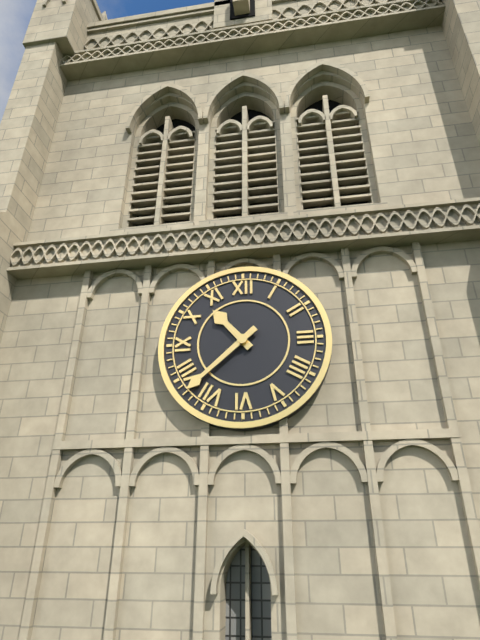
10:38
